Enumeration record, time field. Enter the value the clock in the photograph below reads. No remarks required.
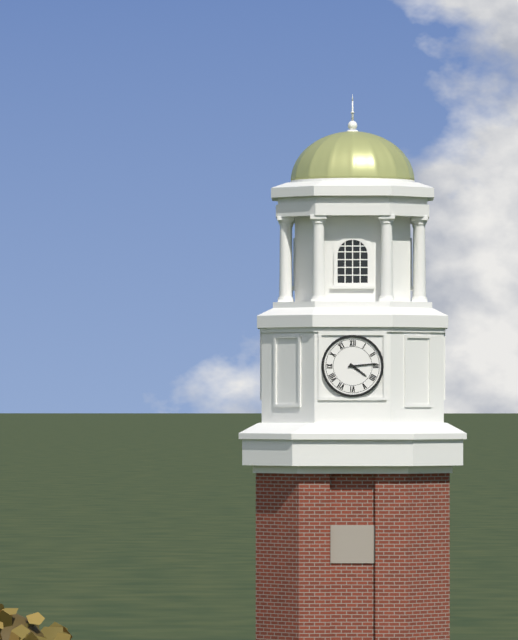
4:14
